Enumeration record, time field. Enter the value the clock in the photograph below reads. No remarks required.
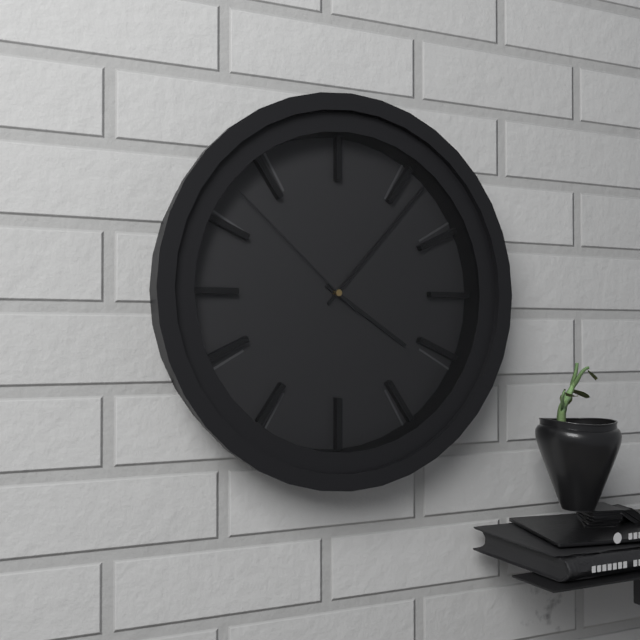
4:07:52
